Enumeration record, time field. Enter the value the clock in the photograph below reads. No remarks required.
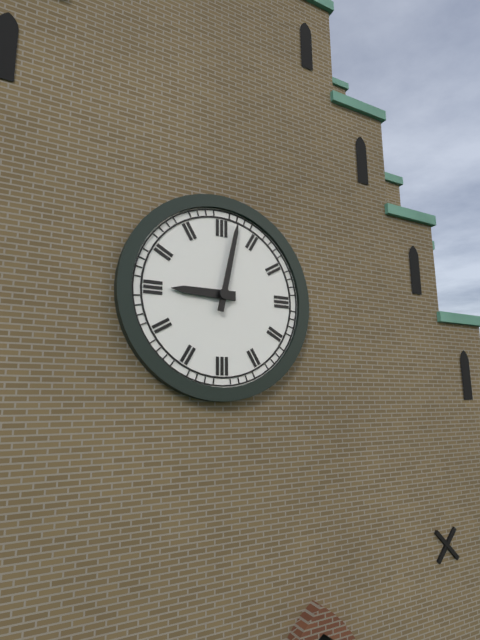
9:02
